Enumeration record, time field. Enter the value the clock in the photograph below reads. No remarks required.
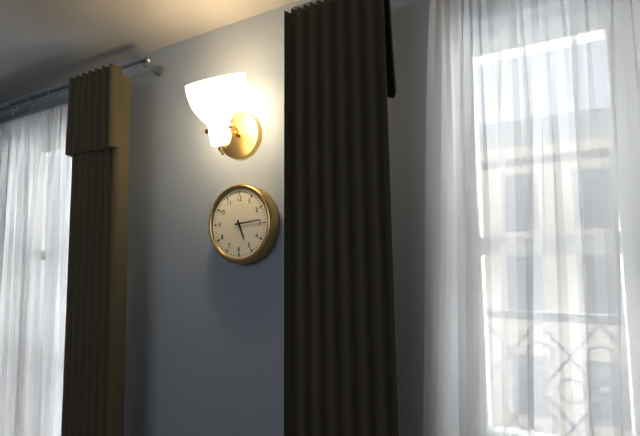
5:14
